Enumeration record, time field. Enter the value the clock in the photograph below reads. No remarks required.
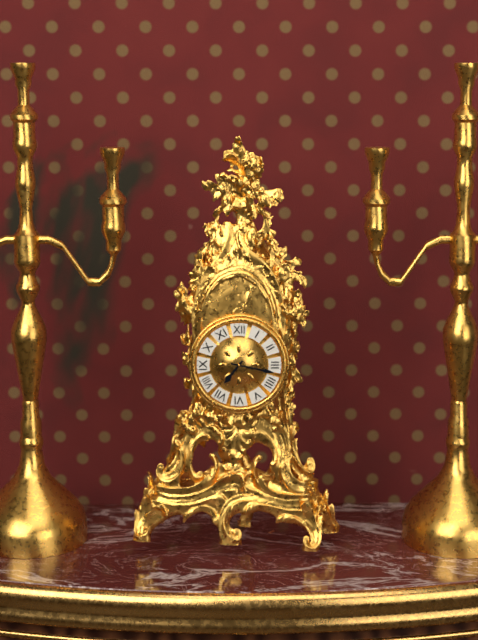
7:17
